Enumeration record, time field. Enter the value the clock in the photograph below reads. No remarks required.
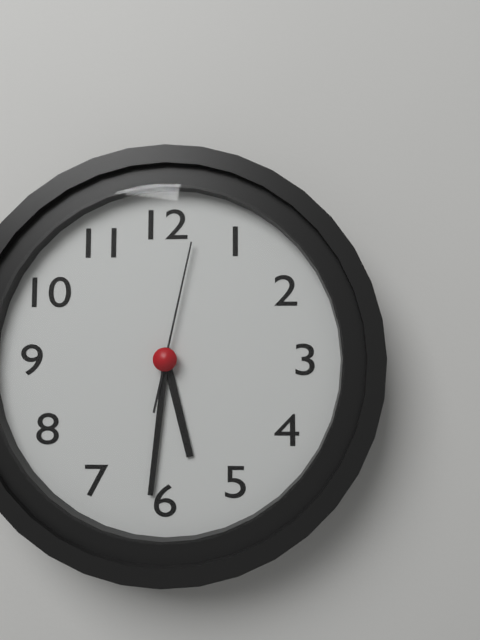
5:31:02
